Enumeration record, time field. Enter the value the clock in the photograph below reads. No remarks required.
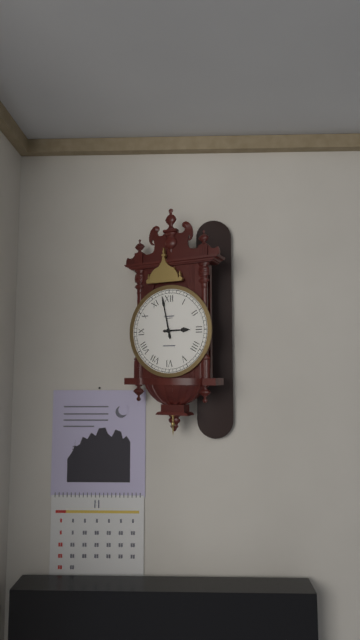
2:58
